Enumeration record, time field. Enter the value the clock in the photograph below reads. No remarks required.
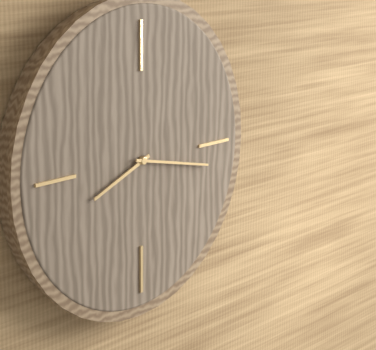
8:17
